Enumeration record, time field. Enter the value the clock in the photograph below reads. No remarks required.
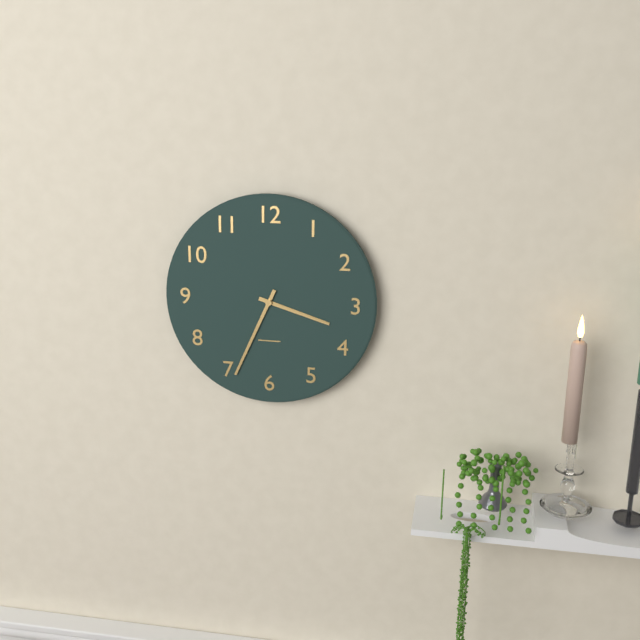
3:34
